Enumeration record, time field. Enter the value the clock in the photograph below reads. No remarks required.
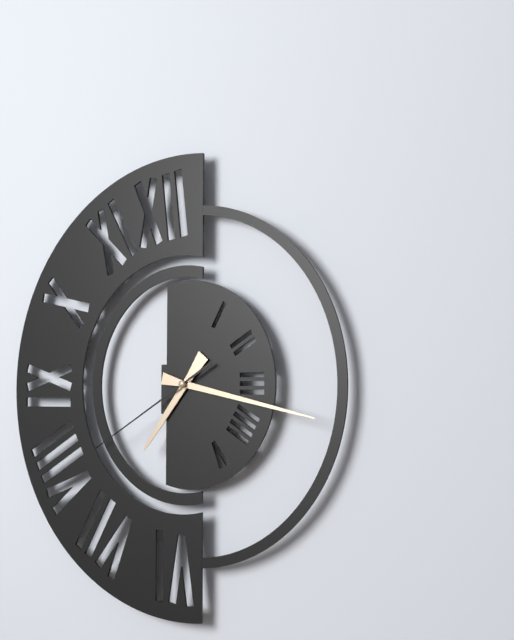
7:17:40
